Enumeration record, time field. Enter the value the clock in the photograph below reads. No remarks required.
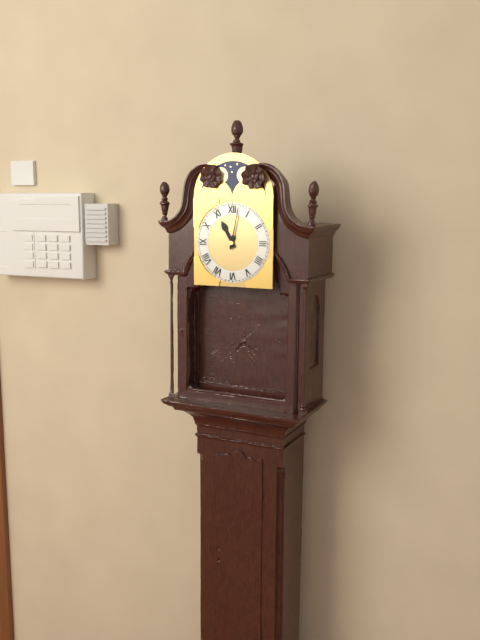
11:02
